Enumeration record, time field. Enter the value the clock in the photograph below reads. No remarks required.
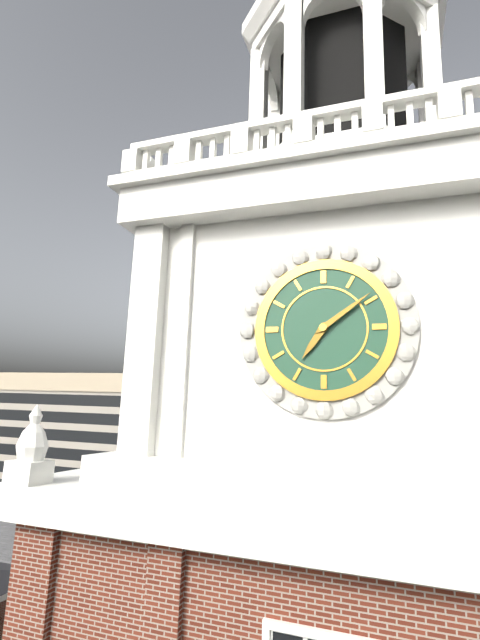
7:09
